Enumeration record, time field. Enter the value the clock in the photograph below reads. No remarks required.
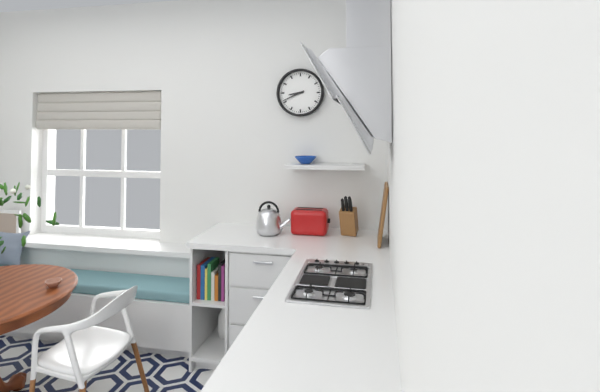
8:41
